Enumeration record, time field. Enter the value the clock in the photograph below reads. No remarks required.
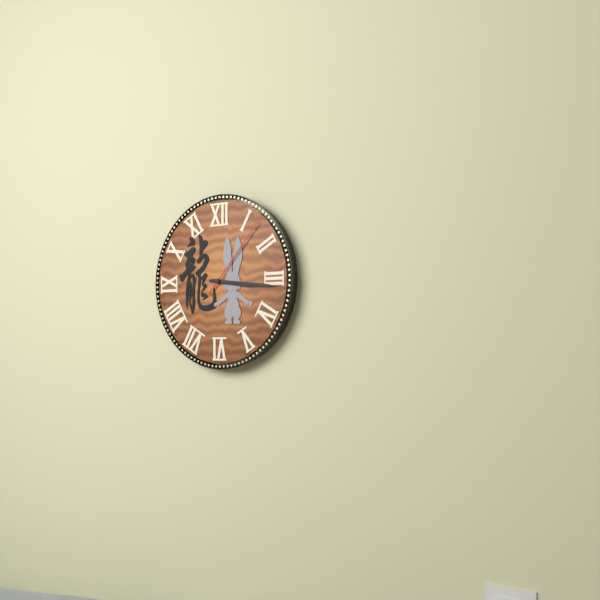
3:16:07
